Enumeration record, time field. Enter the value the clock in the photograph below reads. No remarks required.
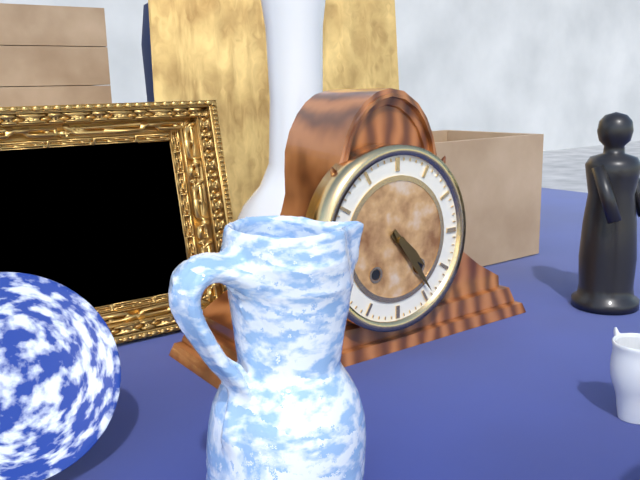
4:24
